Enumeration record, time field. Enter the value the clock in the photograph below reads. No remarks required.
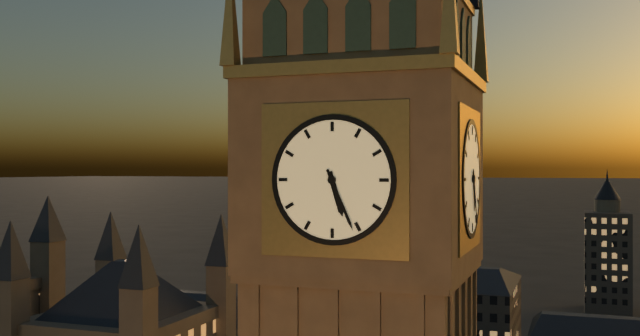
5:26
